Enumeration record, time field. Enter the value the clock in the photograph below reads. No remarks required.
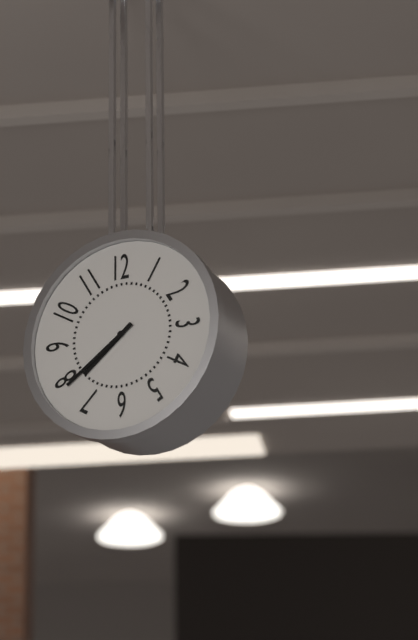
7:39
